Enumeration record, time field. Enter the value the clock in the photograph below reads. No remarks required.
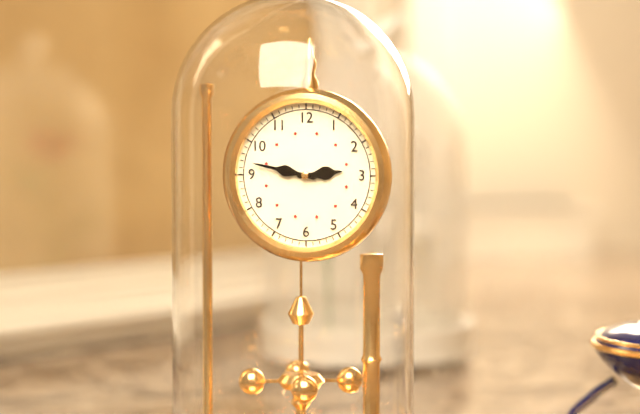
2:47
